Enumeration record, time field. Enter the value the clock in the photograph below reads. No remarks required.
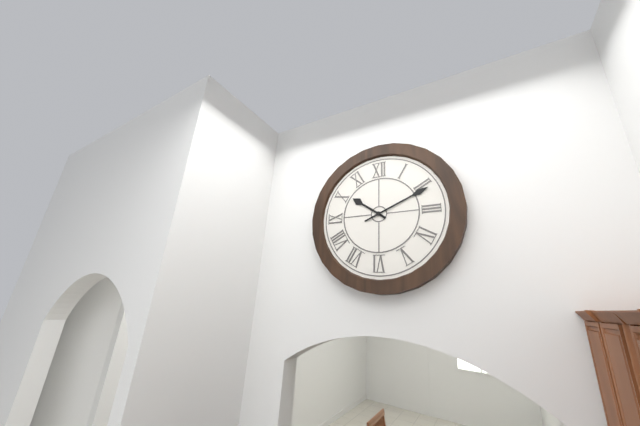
10:11
